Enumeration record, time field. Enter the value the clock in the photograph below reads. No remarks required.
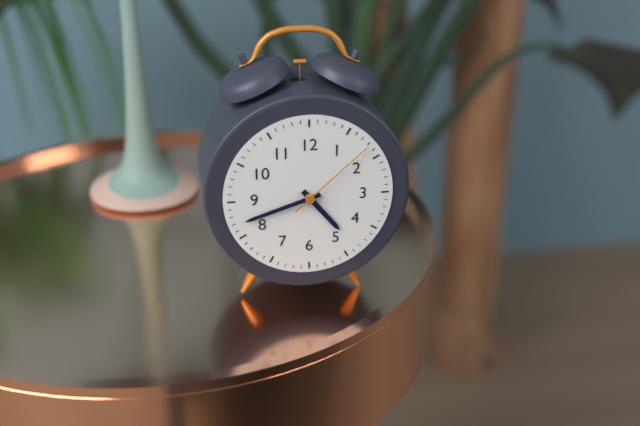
4:42:08
